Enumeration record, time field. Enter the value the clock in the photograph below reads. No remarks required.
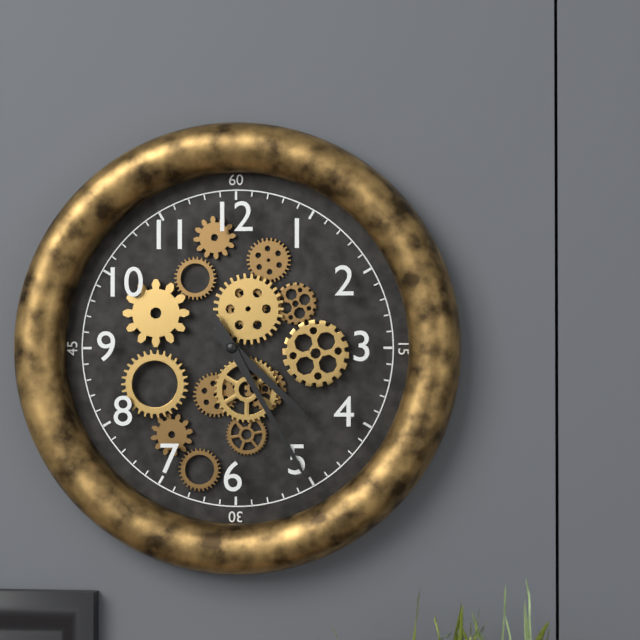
4:25
